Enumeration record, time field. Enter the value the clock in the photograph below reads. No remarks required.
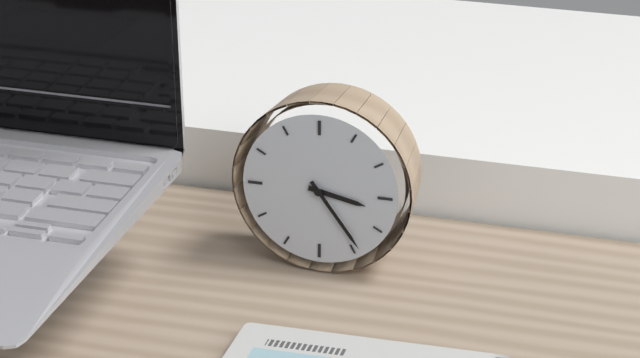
3:24
